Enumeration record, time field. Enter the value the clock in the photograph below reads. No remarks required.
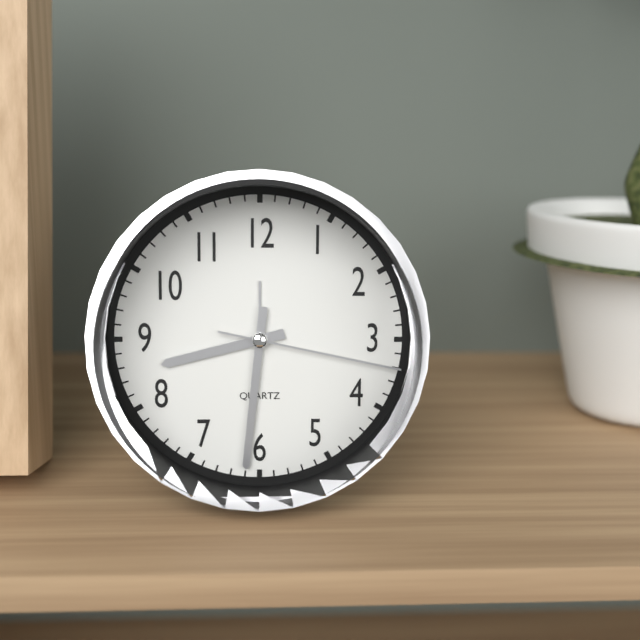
8:31:17
